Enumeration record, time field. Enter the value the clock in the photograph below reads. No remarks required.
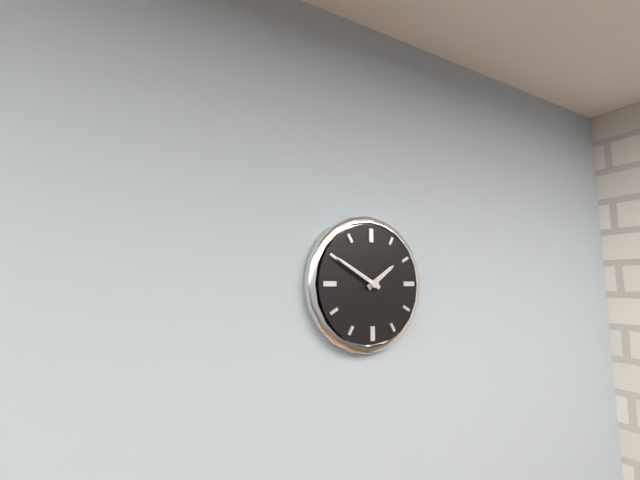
1:50
